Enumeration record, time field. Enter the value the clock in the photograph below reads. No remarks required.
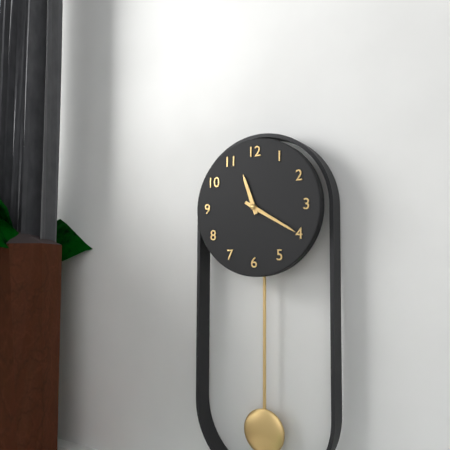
11:20
